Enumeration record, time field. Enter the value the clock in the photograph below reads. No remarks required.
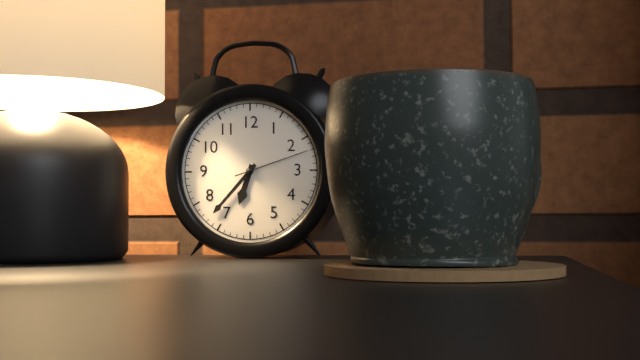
6:37:12
